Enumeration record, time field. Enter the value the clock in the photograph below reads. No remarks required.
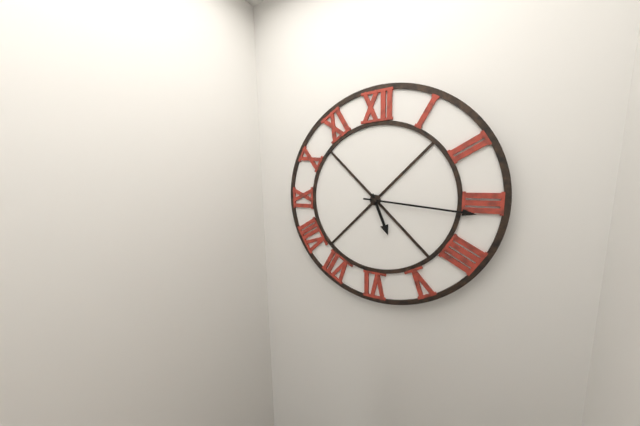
5:16
